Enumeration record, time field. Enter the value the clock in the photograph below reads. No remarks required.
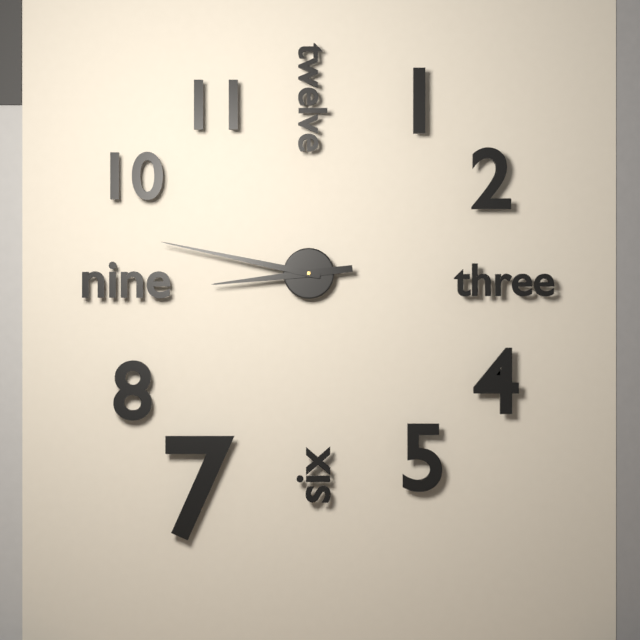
8:47
